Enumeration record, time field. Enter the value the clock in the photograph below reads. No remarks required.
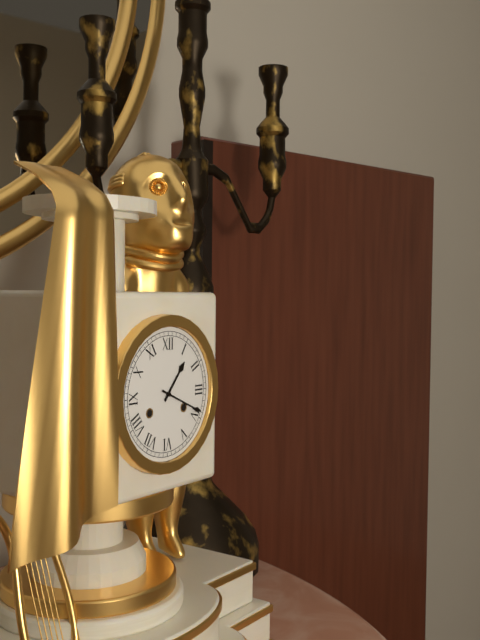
1:19
